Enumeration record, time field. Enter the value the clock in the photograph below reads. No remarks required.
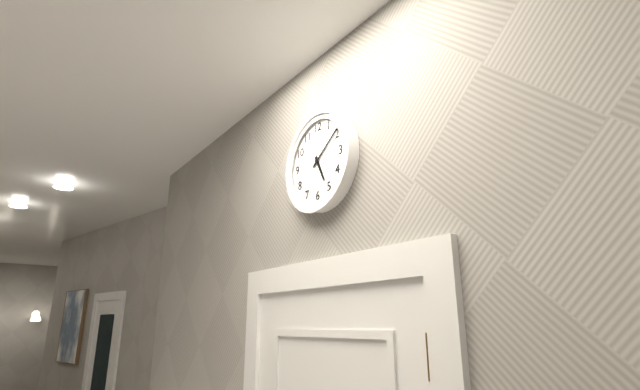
5:09
